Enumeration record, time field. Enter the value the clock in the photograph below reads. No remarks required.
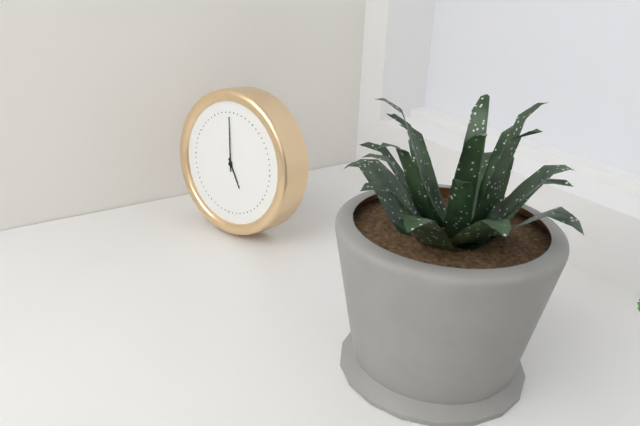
4:59
